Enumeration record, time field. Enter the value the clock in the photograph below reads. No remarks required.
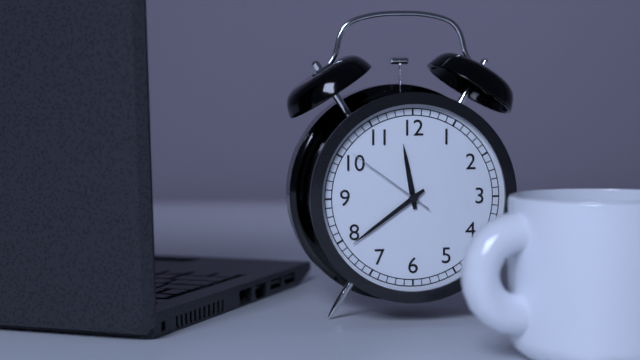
11:39:51
